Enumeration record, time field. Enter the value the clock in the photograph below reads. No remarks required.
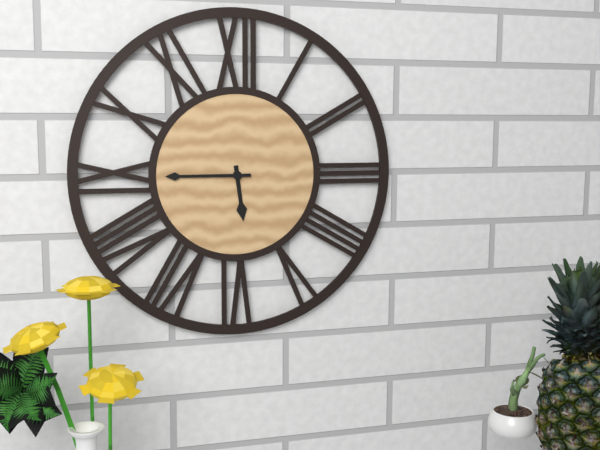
5:45
